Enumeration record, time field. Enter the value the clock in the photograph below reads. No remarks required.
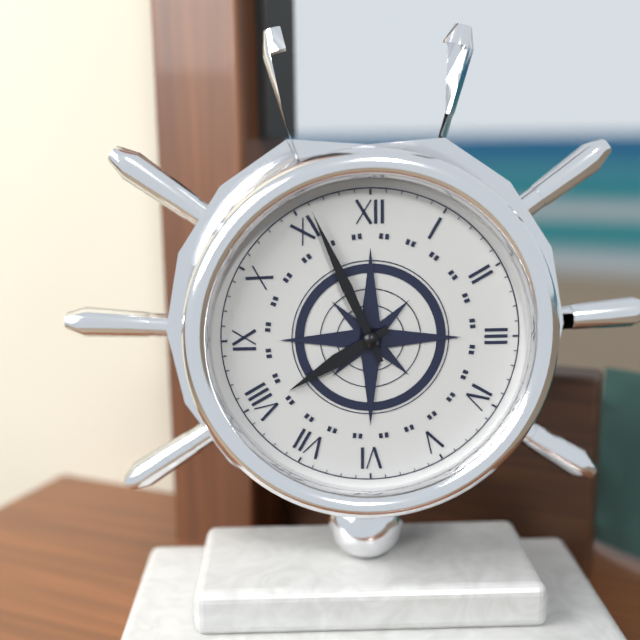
7:56
